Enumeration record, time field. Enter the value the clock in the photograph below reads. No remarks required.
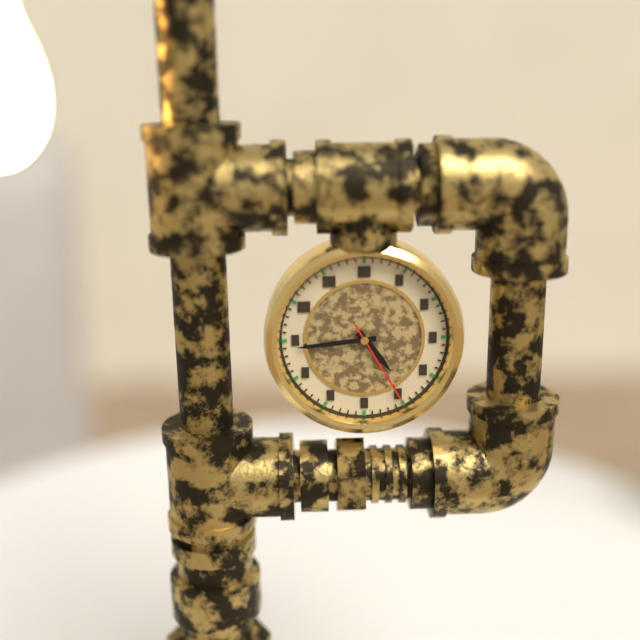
4:44:25
